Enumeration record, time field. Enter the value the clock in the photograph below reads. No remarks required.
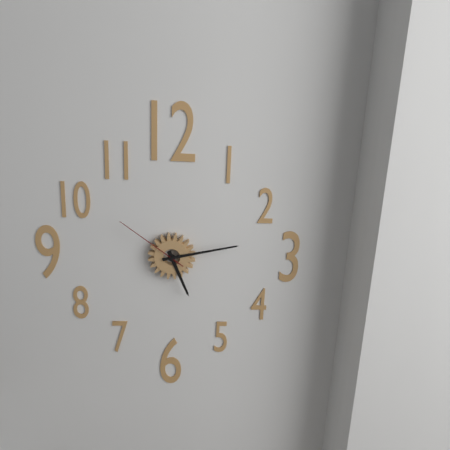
5:13:51
